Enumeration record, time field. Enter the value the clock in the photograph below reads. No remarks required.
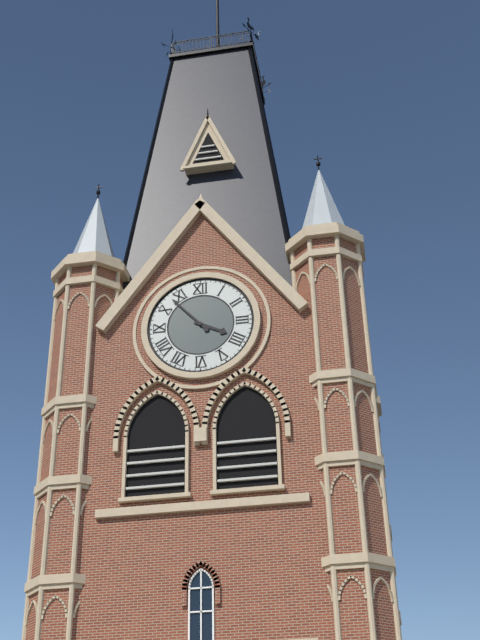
3:53
